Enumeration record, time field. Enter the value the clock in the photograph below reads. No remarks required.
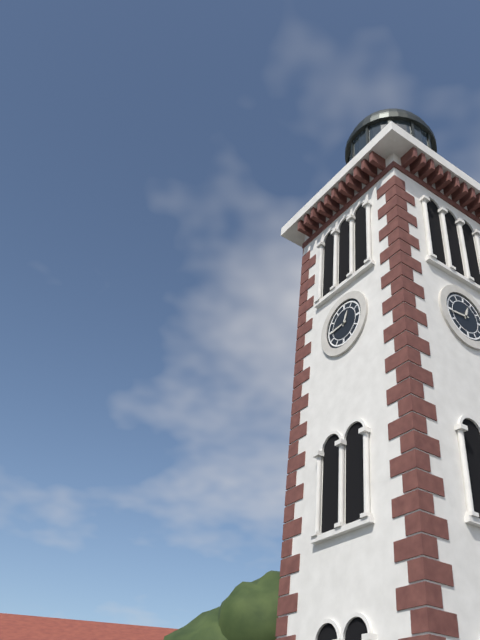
12:44
